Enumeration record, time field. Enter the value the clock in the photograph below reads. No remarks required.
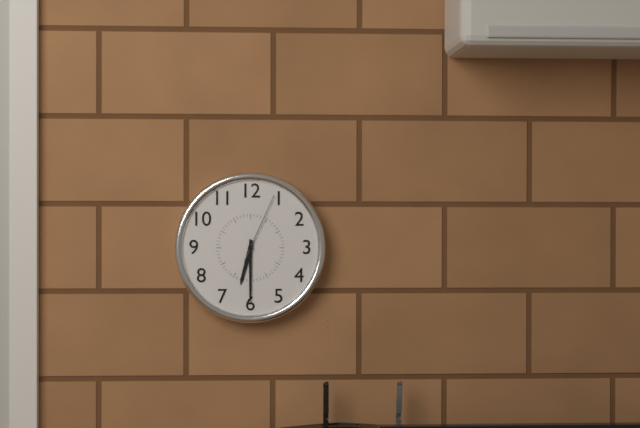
6:30:04
